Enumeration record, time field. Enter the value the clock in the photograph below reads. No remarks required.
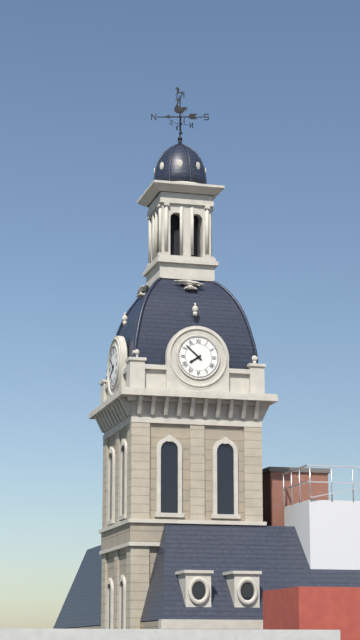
7:52
